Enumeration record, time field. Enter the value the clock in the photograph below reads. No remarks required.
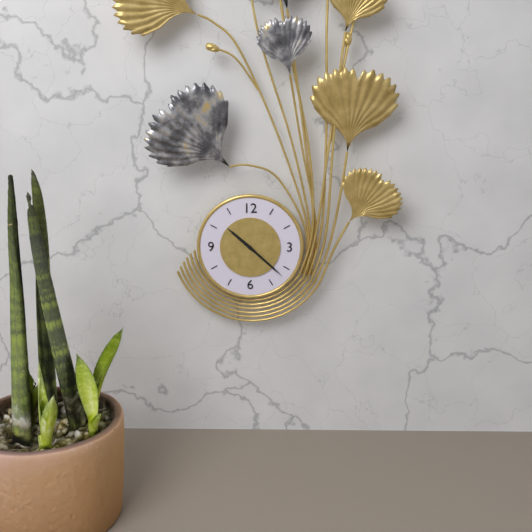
10:22
